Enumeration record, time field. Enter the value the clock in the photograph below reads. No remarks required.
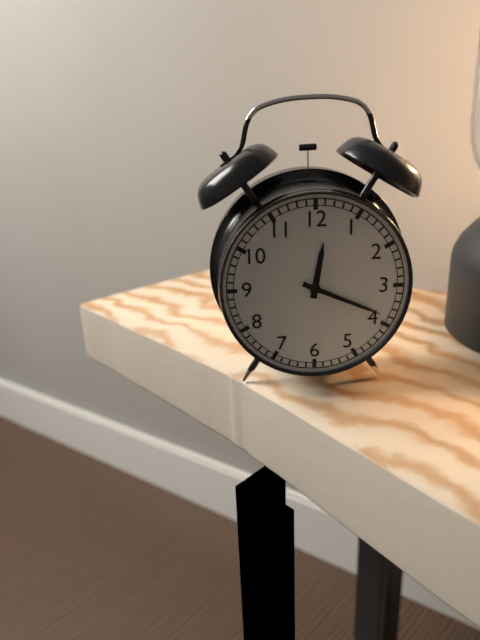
12:19
